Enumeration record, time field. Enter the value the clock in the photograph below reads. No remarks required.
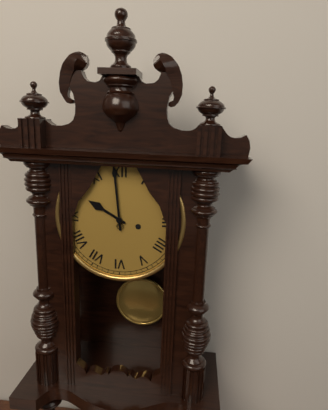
9:59
